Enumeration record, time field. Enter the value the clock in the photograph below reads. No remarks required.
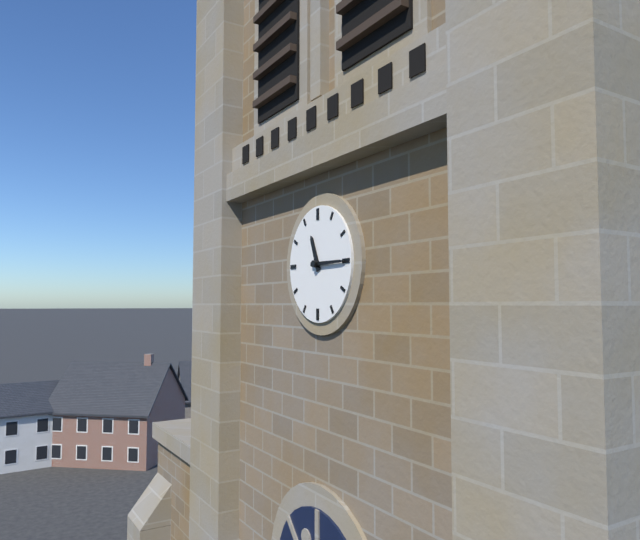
11:15
